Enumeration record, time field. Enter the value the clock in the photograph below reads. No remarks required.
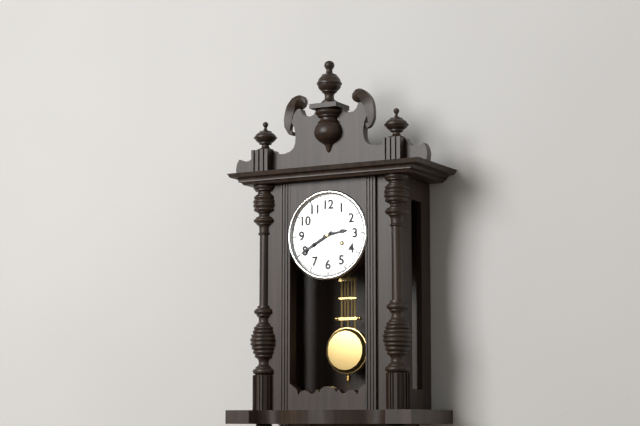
2:40
